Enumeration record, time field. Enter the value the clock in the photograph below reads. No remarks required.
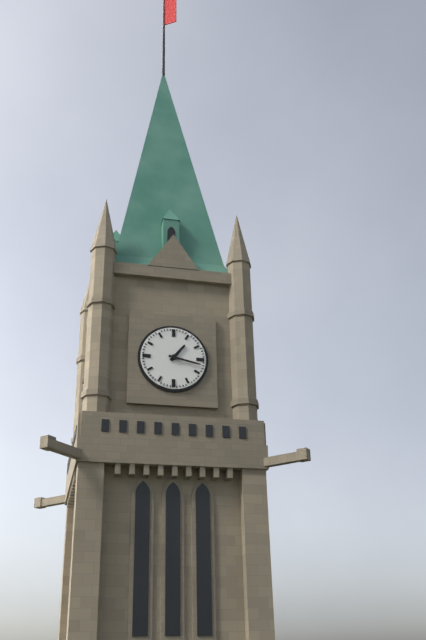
1:17
